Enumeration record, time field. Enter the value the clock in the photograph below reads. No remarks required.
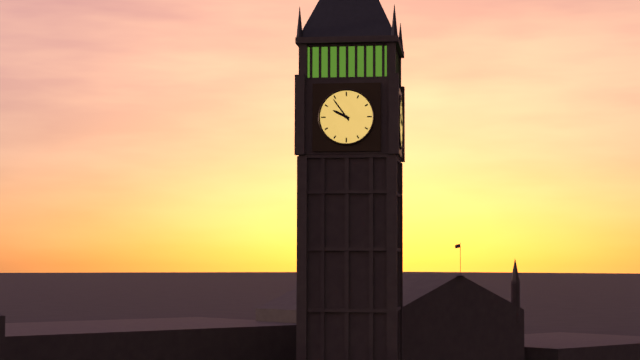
9:54
